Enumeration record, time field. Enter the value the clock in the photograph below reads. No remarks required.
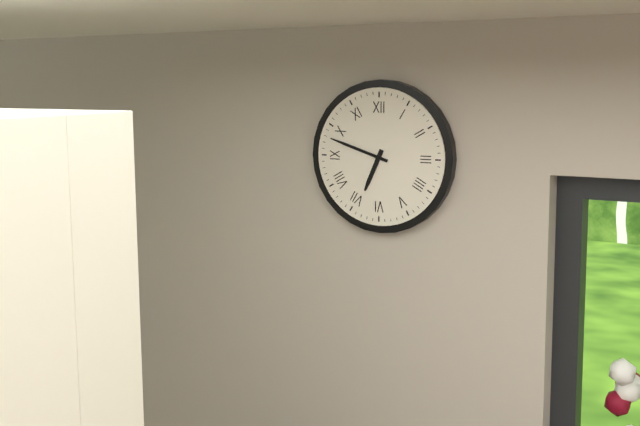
6:48
